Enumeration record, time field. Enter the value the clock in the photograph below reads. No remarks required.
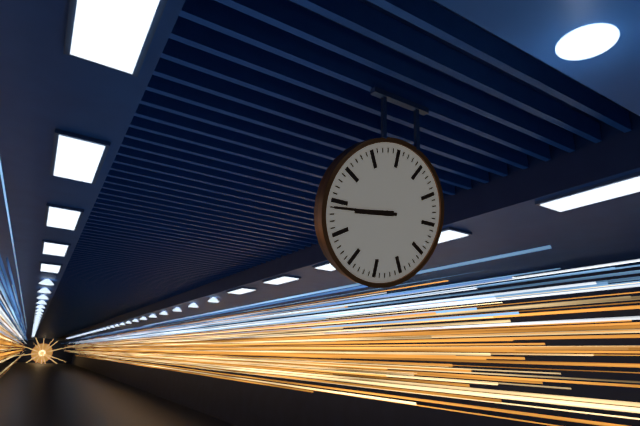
8:44
